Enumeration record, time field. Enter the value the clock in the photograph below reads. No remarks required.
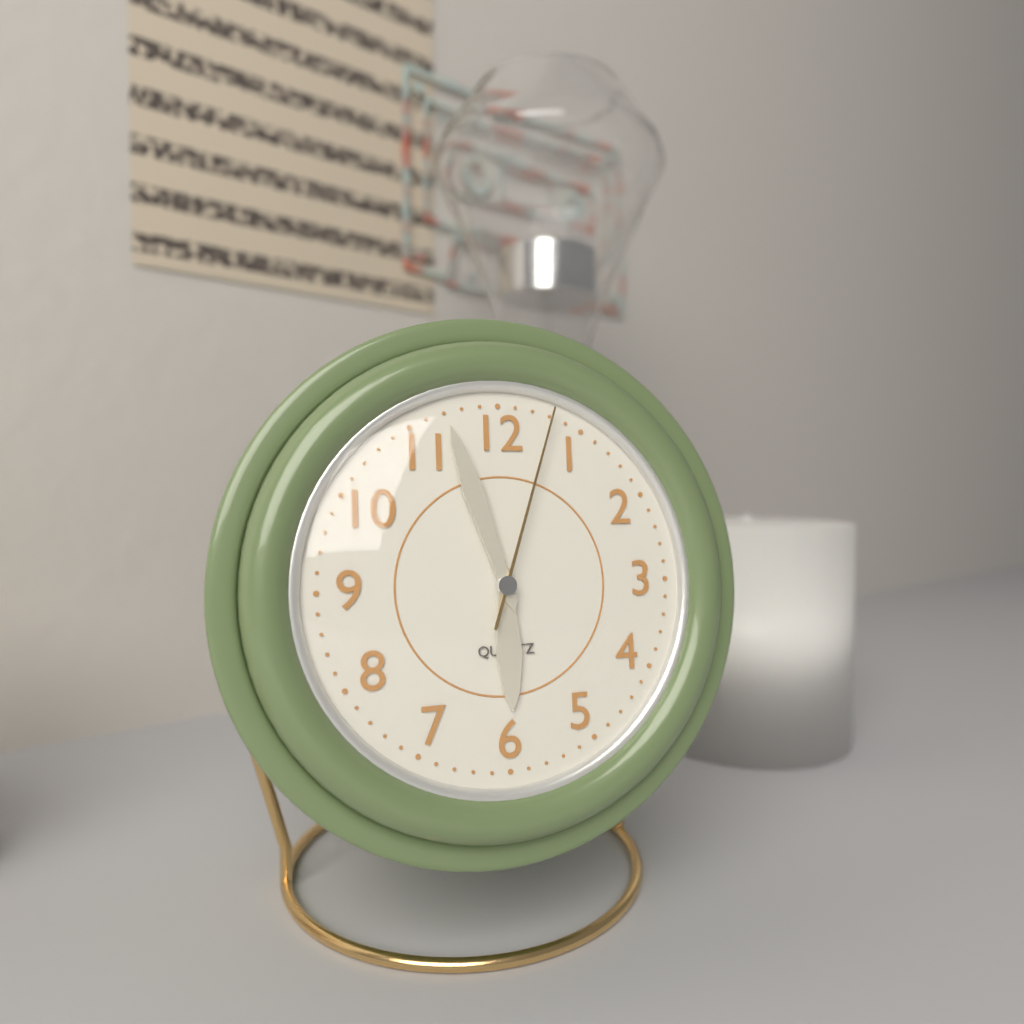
5:57:03
